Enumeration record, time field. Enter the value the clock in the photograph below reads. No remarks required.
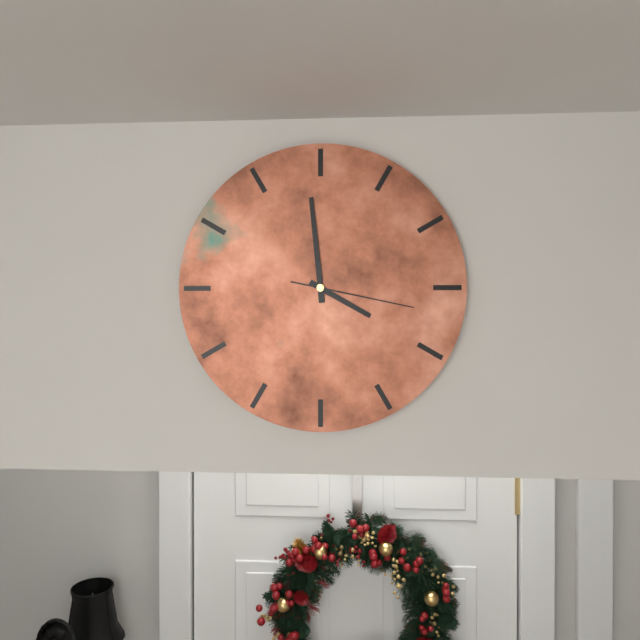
3:59:17
